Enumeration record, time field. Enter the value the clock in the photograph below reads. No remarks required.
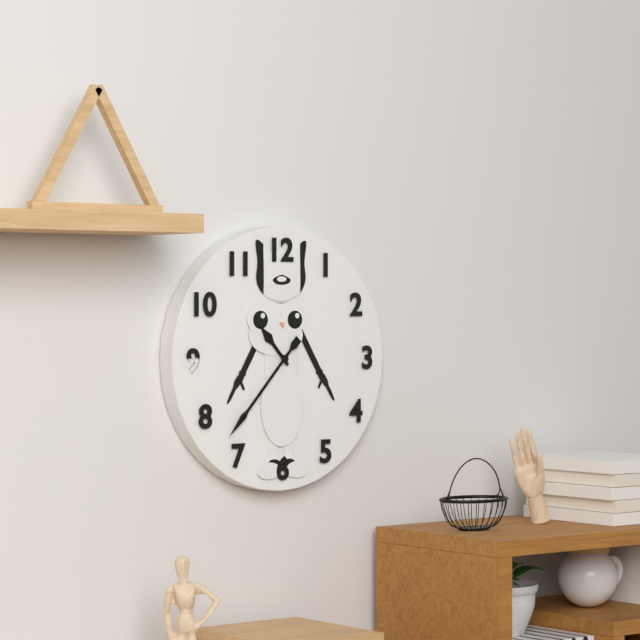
10:37
